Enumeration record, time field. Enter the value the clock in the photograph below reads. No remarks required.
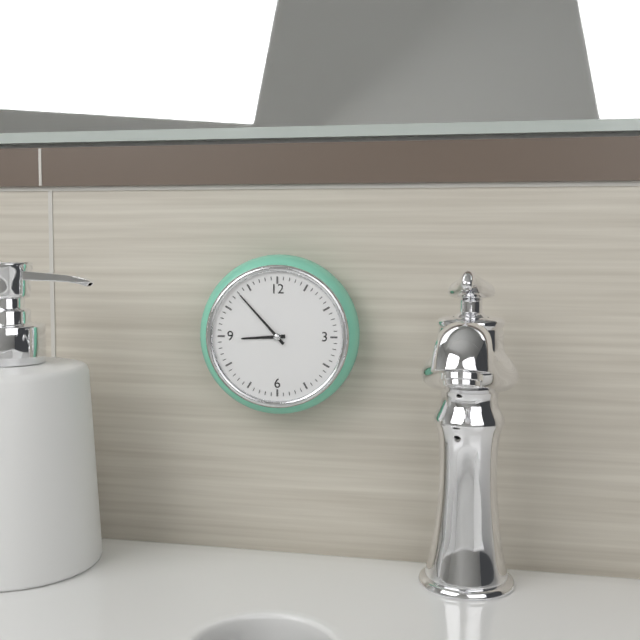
8:53
